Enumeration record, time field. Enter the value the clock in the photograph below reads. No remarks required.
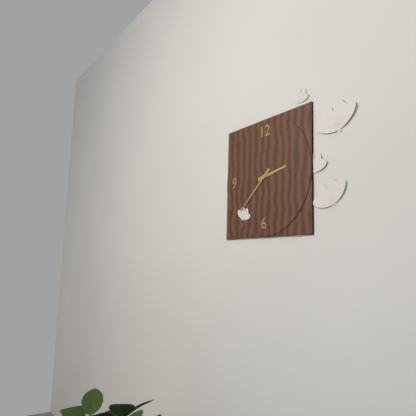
2:38
